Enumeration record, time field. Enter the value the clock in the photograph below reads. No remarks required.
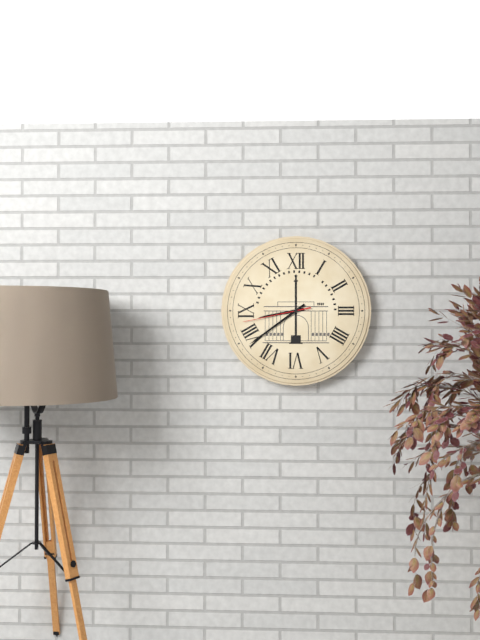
8:39:43
